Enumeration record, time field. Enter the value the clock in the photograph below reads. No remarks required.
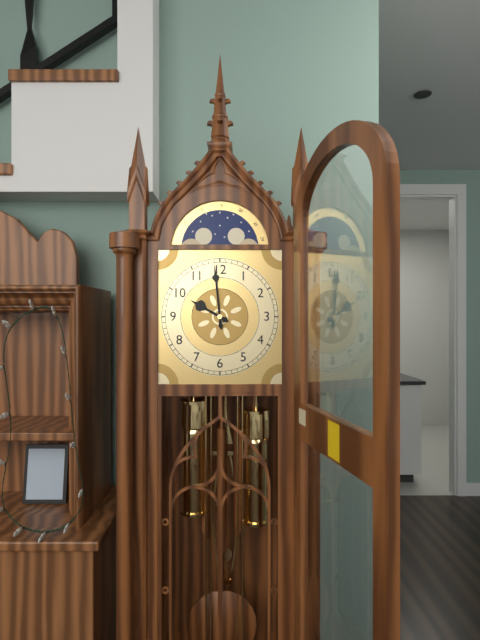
9:59
